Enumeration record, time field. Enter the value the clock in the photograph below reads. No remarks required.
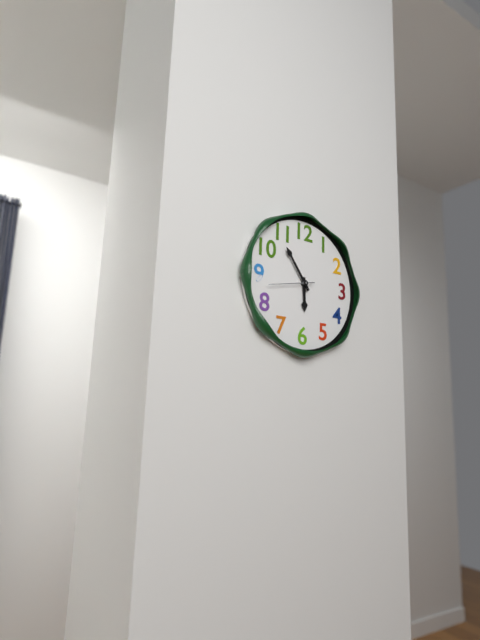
5:54
